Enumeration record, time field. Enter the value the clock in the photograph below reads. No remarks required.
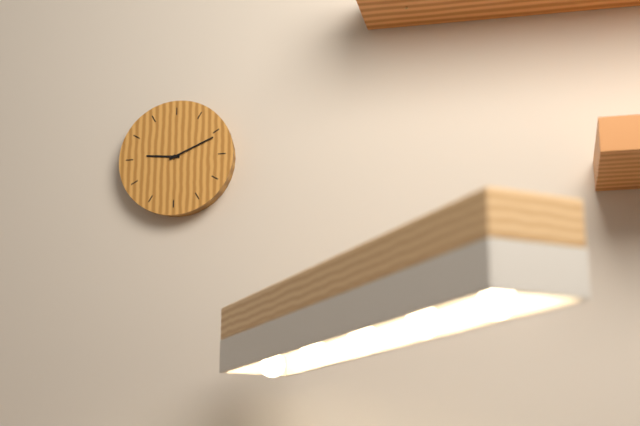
9:11
